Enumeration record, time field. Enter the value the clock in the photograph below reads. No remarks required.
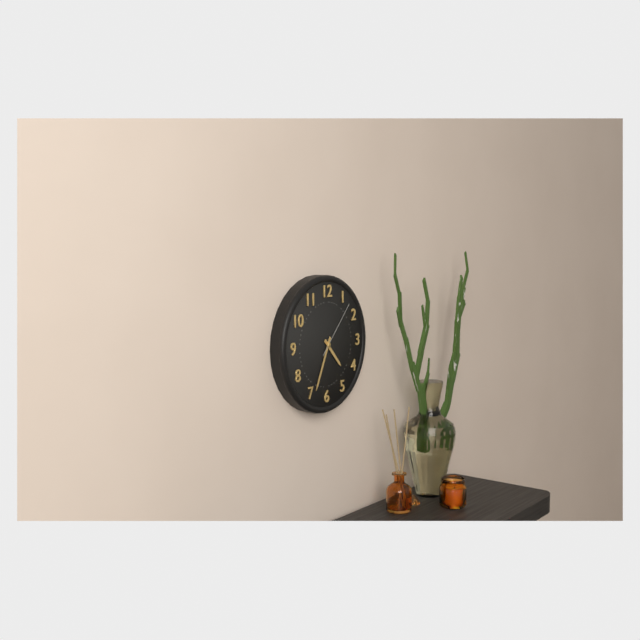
4:34:07
